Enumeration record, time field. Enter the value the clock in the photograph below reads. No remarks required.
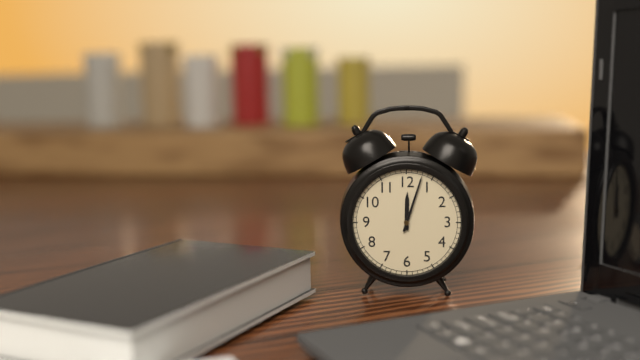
12:03
